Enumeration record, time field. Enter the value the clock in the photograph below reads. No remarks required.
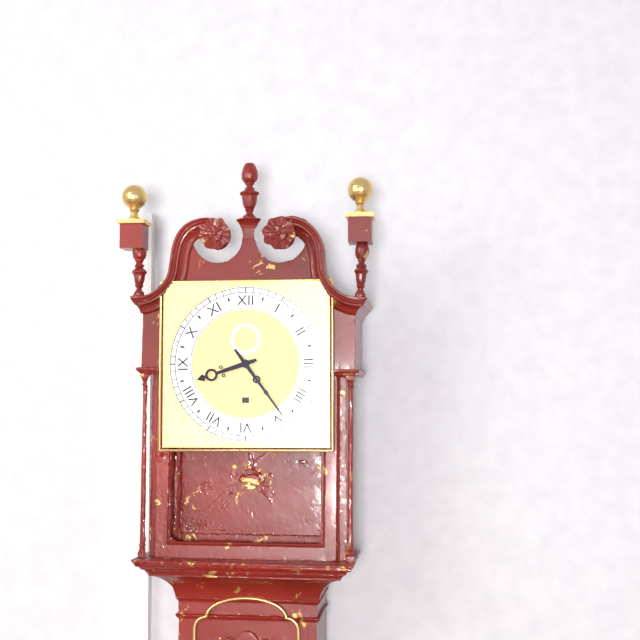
8:24
